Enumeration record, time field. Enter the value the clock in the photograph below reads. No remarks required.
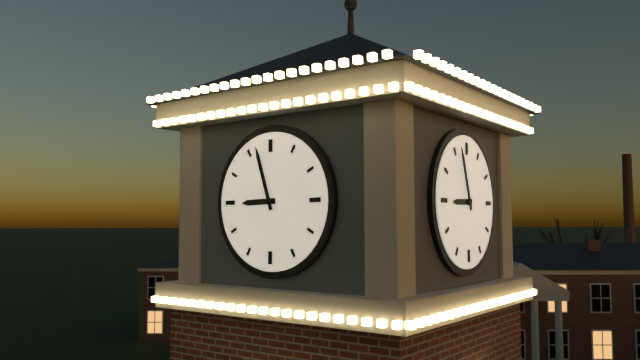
8:57
